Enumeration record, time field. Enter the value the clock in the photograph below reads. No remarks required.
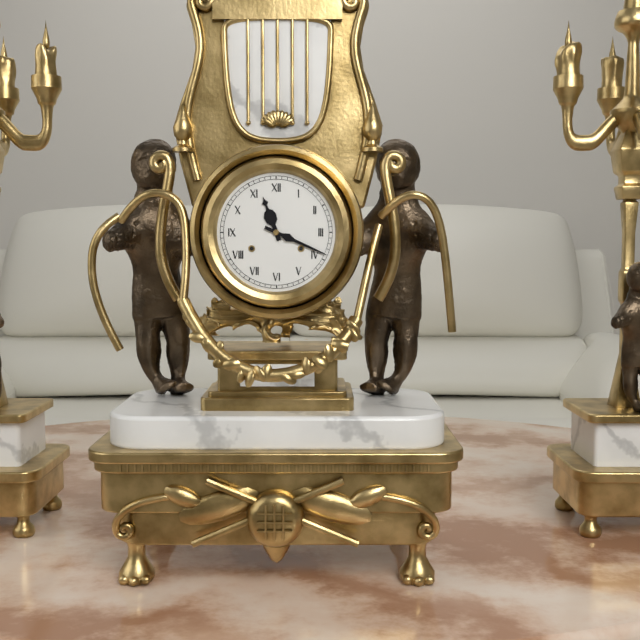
11:19
